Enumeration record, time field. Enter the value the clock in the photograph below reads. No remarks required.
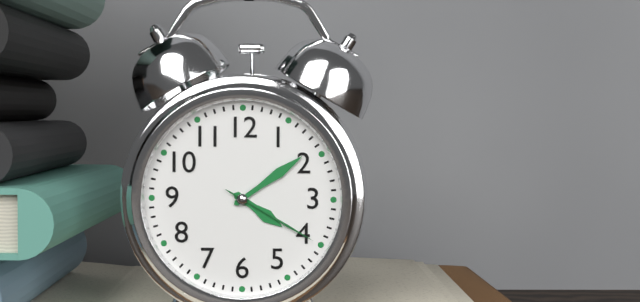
4:09:20
